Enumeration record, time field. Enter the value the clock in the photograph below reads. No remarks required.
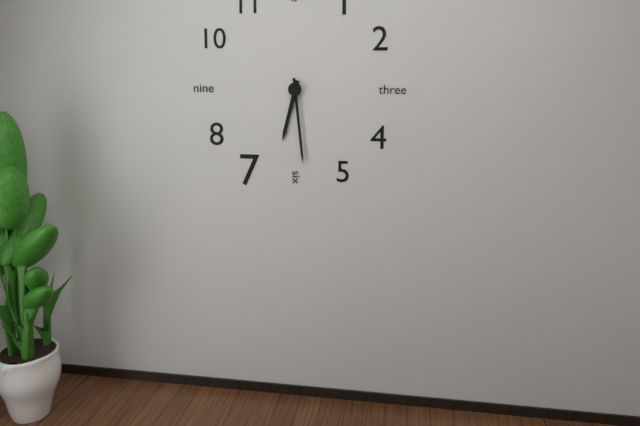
6:29
